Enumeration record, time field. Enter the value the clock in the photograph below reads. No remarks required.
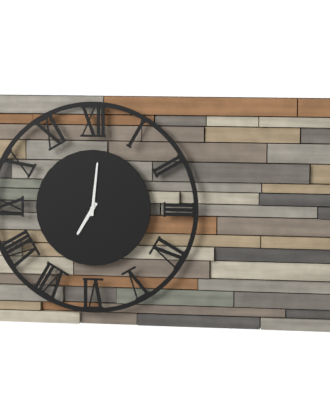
7:01
